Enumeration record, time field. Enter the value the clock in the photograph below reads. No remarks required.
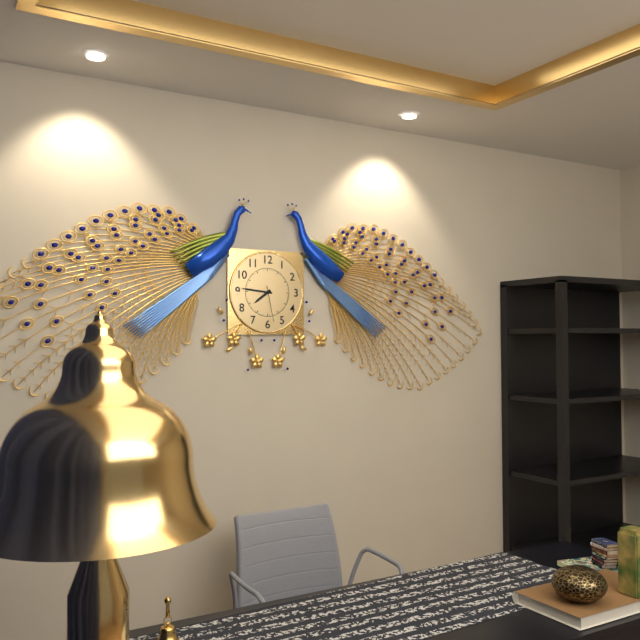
7:46
